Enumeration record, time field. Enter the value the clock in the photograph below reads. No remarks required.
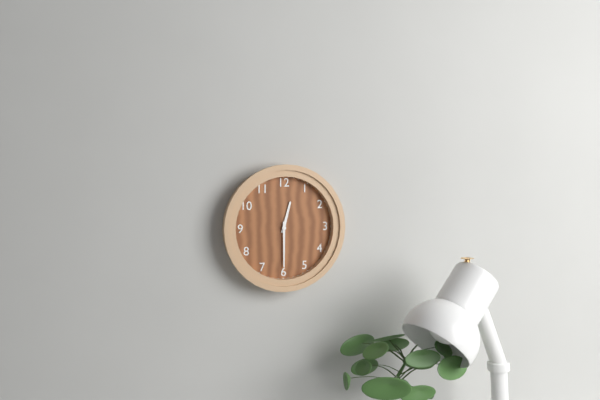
12:30
